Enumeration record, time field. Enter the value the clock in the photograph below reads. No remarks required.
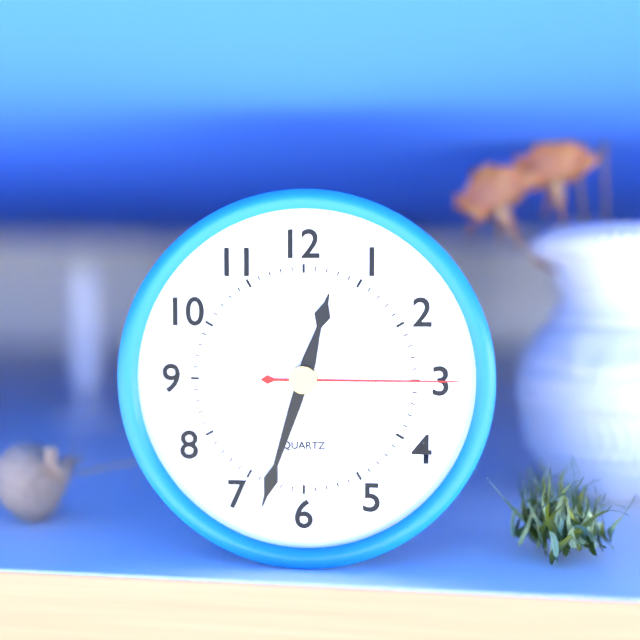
12:33:15
